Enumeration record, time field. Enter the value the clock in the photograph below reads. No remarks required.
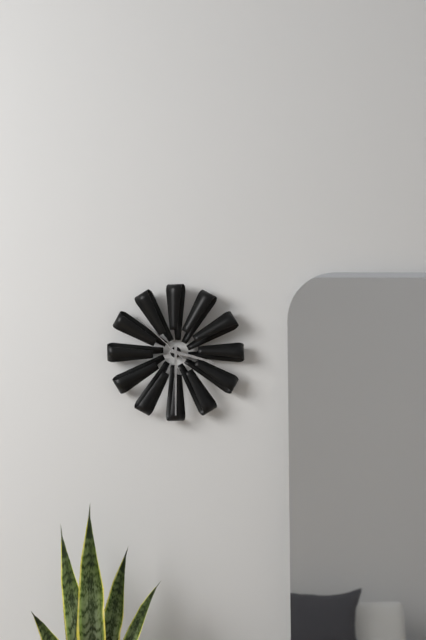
3:30:52
